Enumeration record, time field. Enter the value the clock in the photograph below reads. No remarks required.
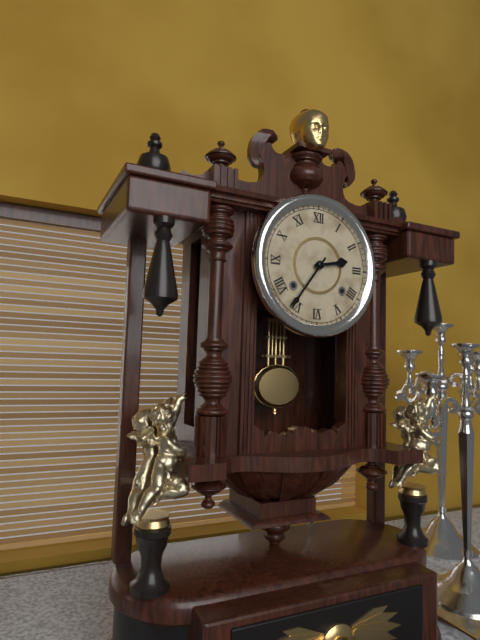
2:36
